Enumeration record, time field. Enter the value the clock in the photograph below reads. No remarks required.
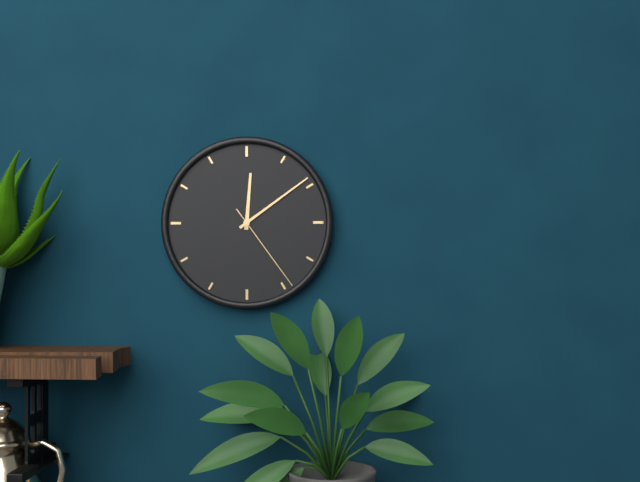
12:09:24
